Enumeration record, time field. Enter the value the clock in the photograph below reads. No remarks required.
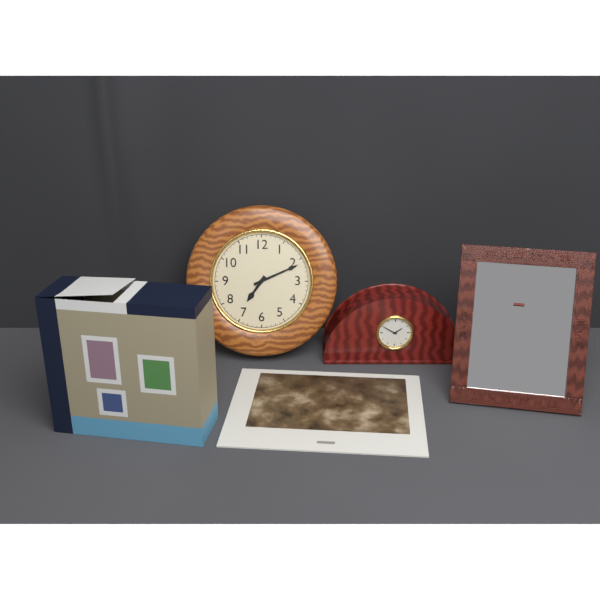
7:11
